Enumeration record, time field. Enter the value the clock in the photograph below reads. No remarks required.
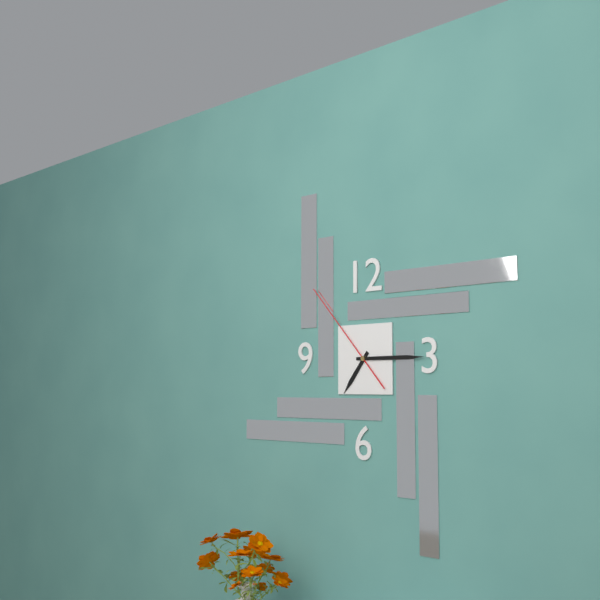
7:15:53
